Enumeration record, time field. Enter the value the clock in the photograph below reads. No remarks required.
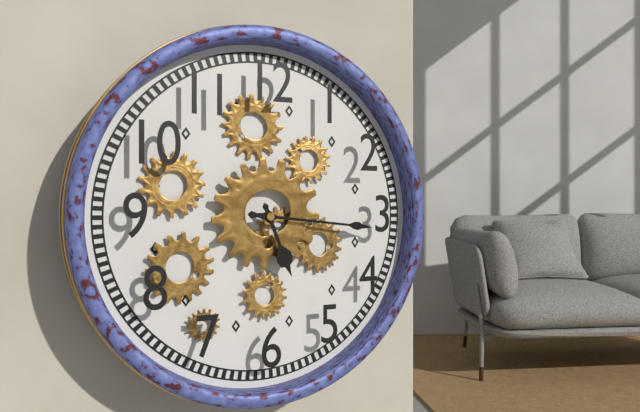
5:16
